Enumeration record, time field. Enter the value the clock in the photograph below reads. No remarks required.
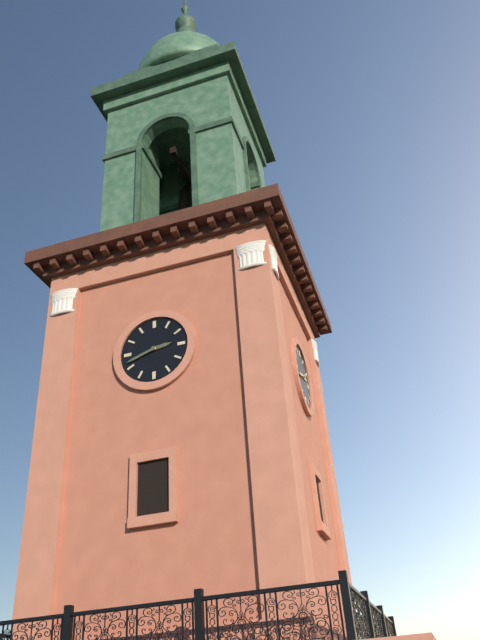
2:42
